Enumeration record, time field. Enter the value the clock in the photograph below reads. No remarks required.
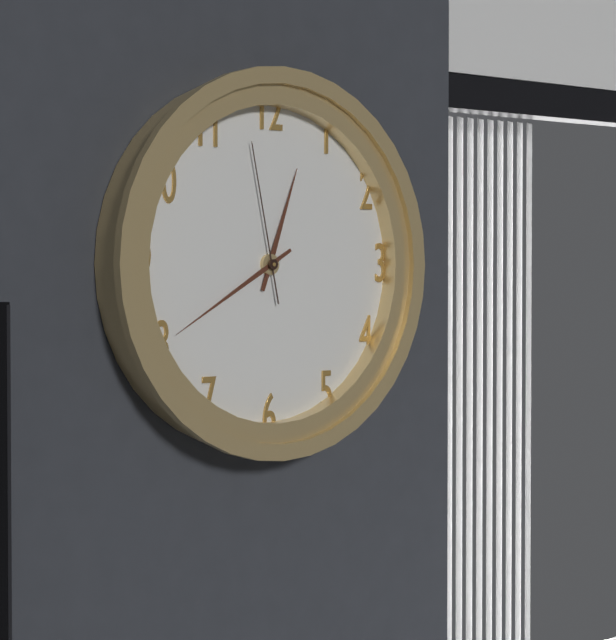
12:40:58
